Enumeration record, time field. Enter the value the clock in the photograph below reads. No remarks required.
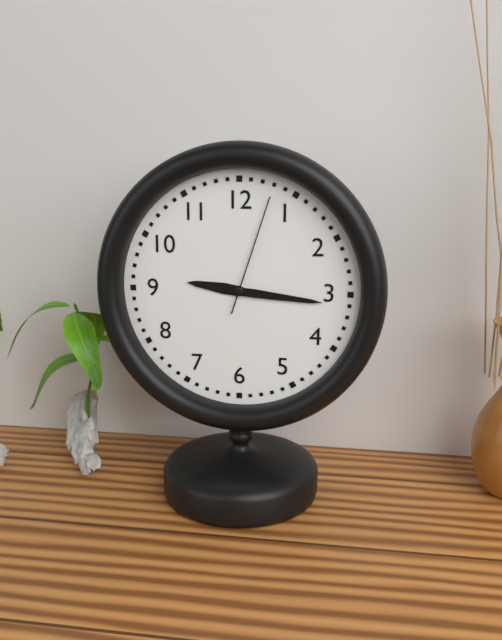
9:16:03
